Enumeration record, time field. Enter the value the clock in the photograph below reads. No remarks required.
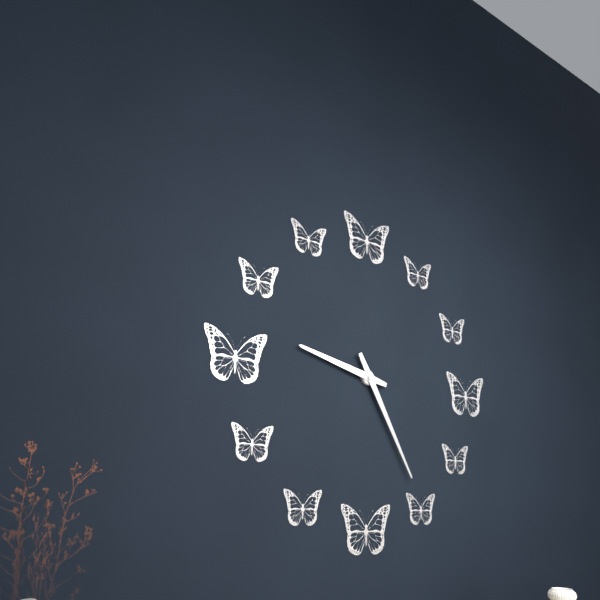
9:25
